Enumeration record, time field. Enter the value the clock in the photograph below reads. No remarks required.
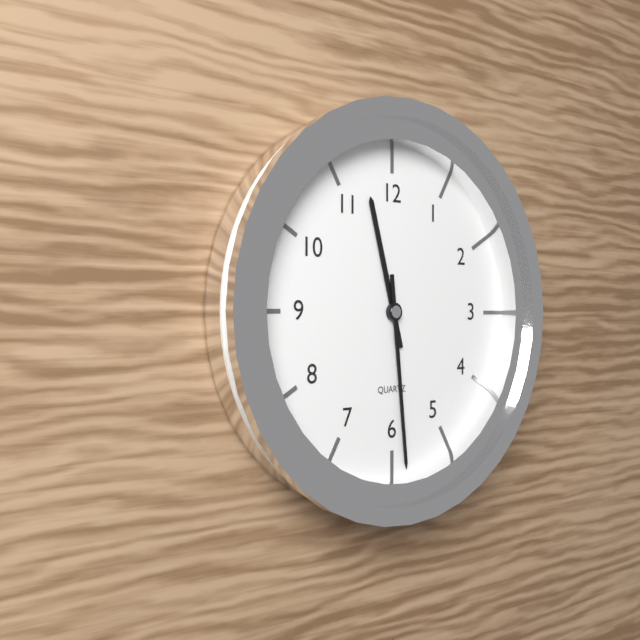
11:29
